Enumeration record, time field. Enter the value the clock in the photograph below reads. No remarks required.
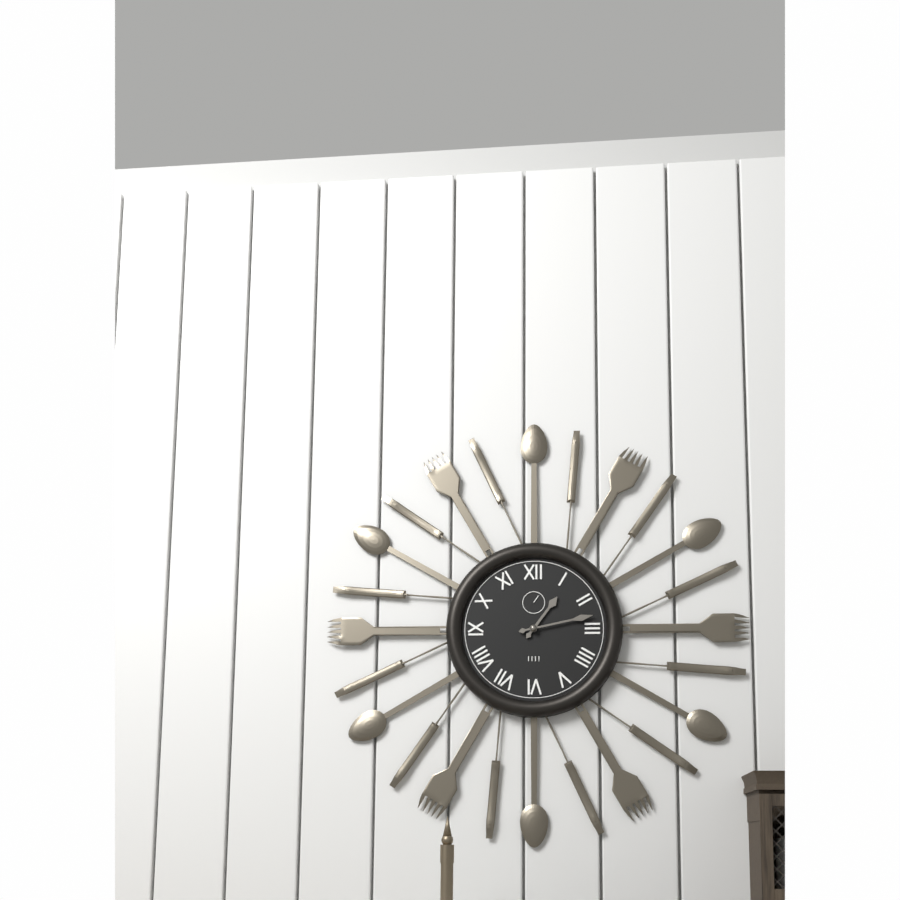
1:13
